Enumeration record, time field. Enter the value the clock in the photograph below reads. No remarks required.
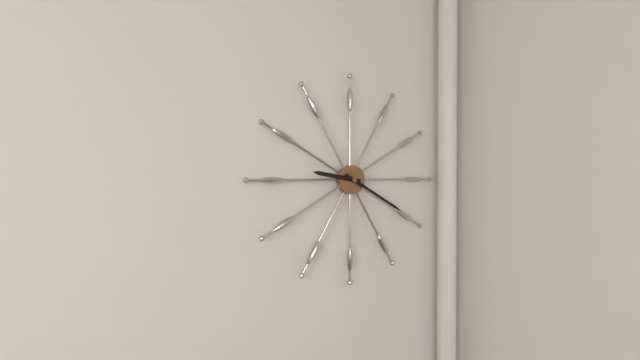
9:20
